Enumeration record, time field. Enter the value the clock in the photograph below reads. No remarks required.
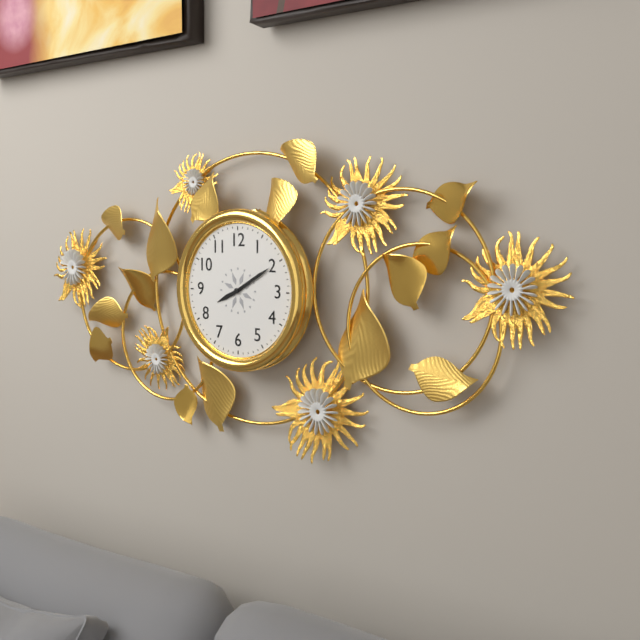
8:10
